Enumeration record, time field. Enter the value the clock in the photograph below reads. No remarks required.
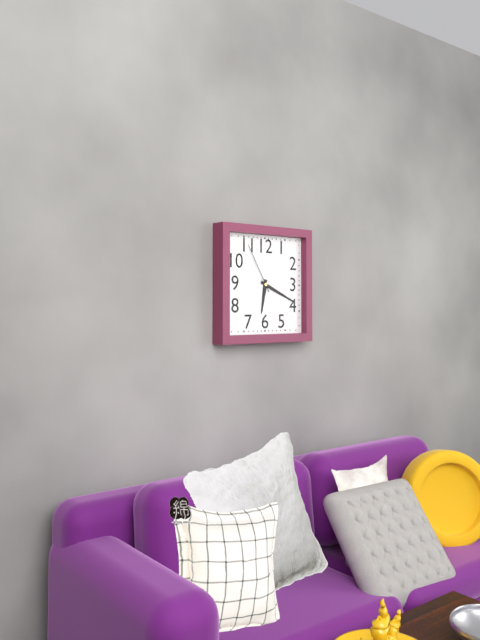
6:19:55
